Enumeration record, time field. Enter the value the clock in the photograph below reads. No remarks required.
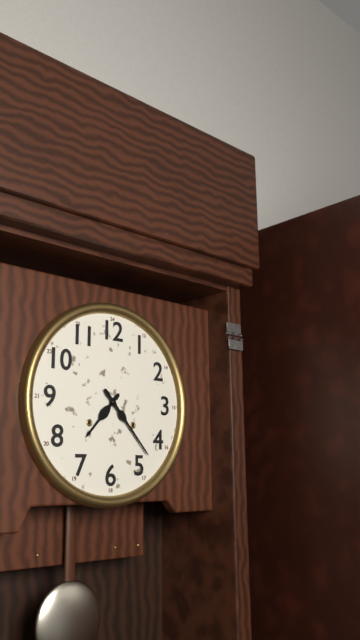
7:23
